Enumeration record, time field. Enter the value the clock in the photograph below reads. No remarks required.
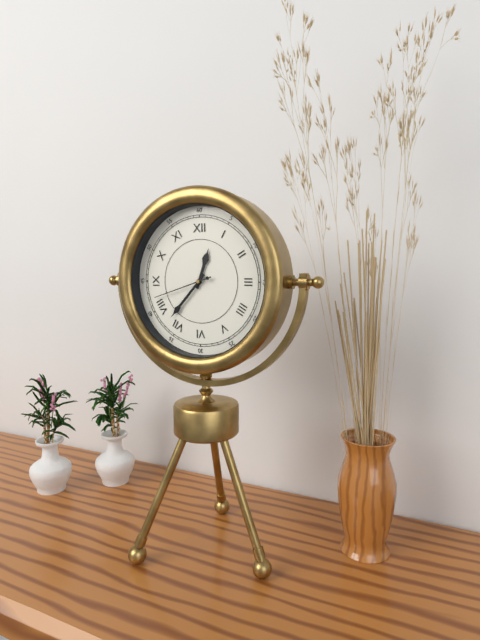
12:37:42
